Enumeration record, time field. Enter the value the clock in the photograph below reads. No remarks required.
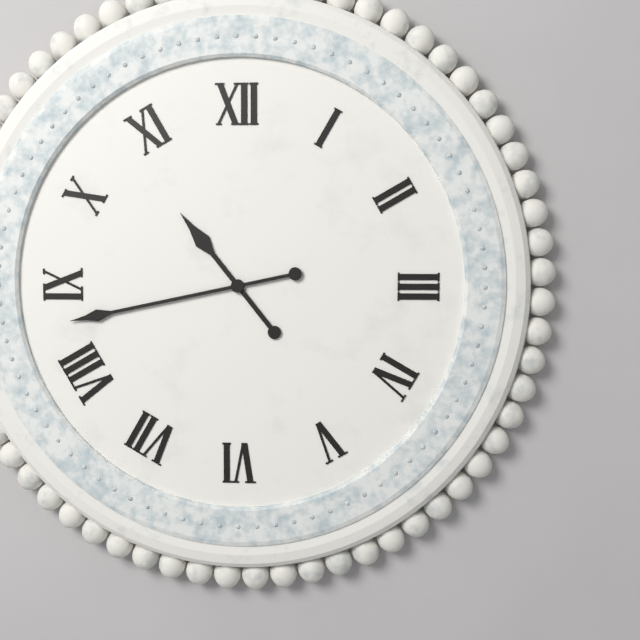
10:43
